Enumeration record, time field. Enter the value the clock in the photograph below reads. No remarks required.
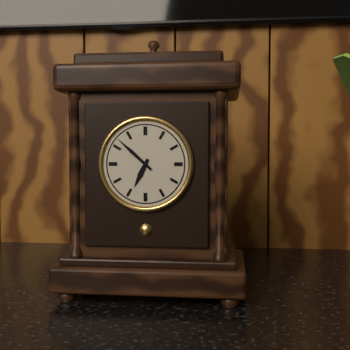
6:52
